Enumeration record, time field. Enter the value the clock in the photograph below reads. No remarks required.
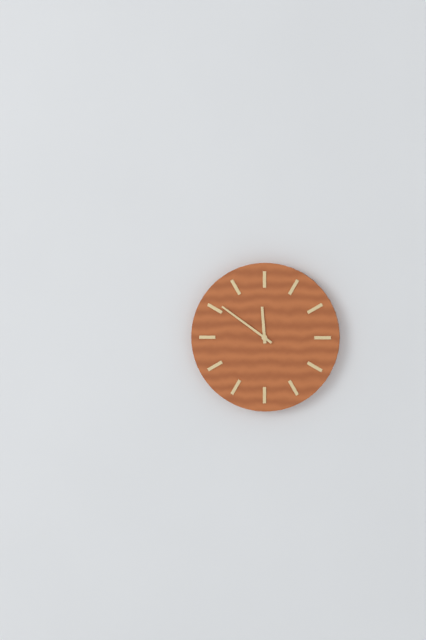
11:51
